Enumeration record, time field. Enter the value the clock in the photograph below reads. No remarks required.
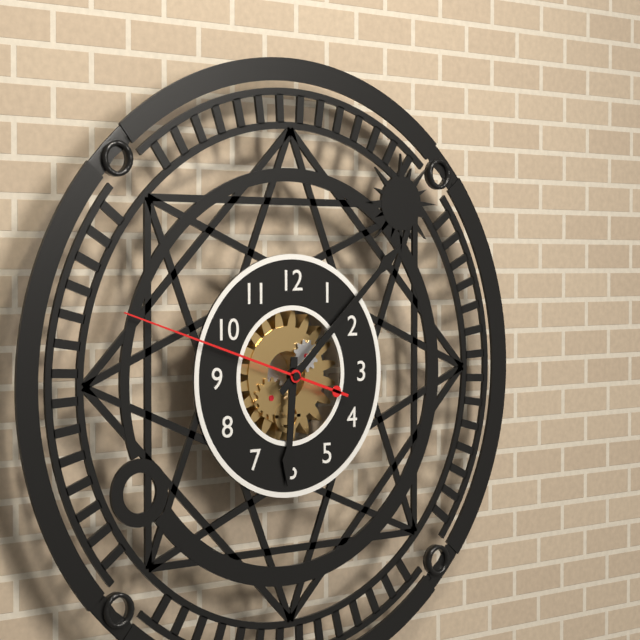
6:08:48
